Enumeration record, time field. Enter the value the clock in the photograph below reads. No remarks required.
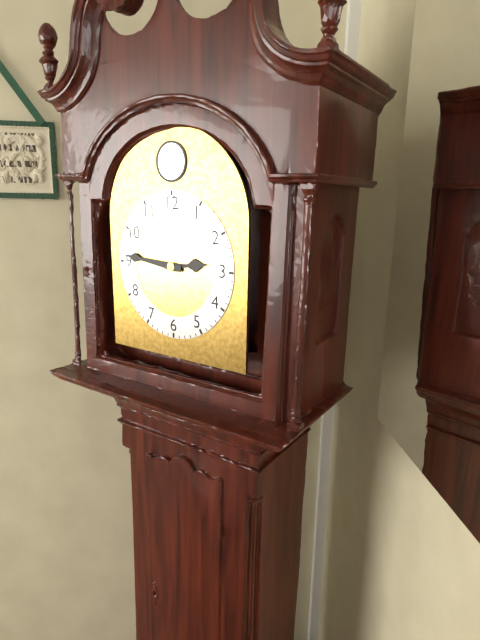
2:46
